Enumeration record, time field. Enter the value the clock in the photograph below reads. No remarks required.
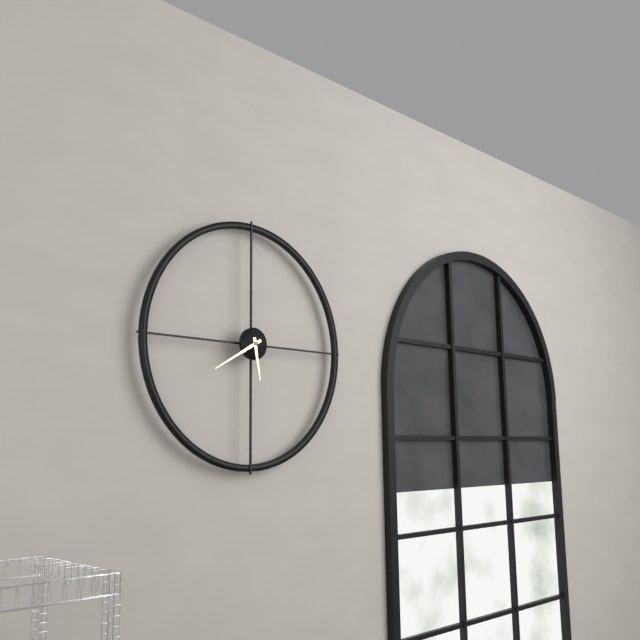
5:40
